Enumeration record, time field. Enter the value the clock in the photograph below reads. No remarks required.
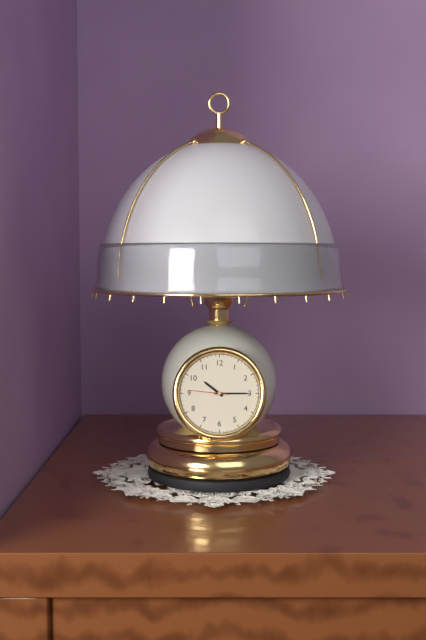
10:15
